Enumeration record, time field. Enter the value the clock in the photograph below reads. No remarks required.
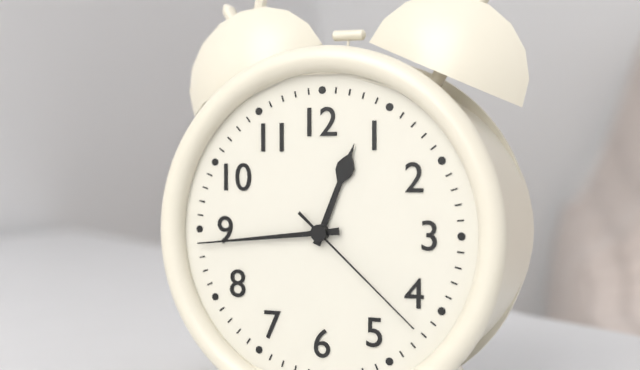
12:44:22
